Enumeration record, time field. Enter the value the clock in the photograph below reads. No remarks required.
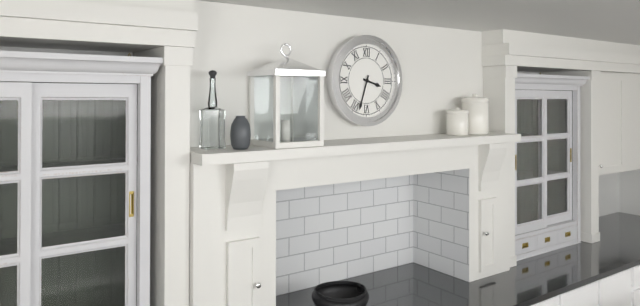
3:33
